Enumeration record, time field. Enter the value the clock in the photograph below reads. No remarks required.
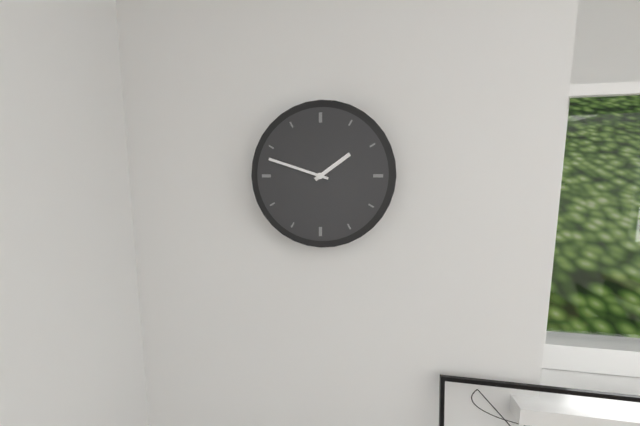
1:48
